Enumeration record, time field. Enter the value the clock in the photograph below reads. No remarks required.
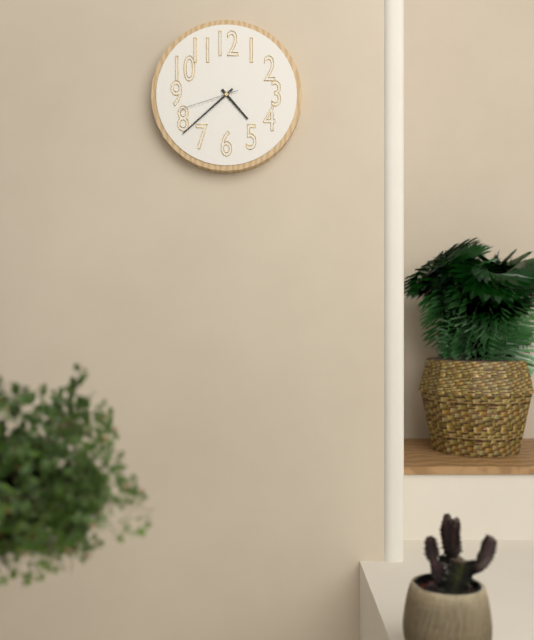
4:38:42
